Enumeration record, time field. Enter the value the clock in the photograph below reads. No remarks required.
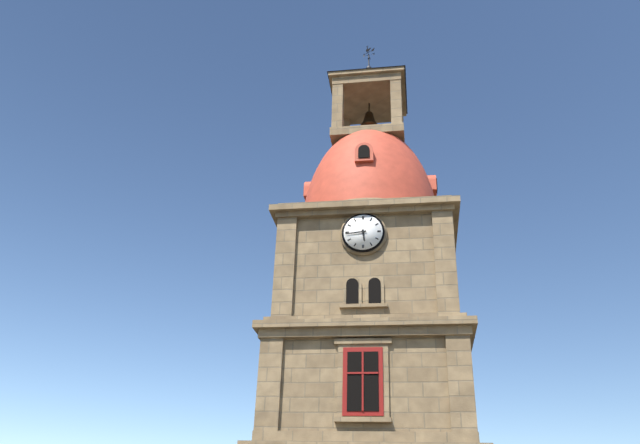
5:44
